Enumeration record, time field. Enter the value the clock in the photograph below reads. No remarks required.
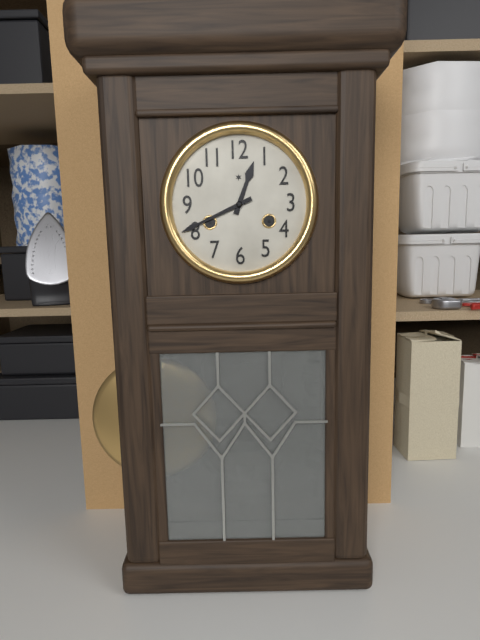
12:41
